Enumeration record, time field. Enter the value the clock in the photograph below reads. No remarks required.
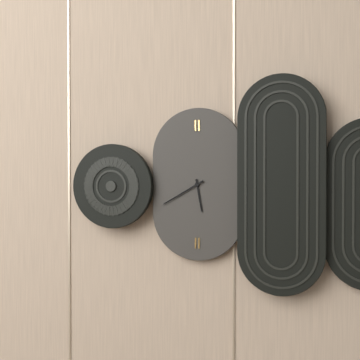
5:40
